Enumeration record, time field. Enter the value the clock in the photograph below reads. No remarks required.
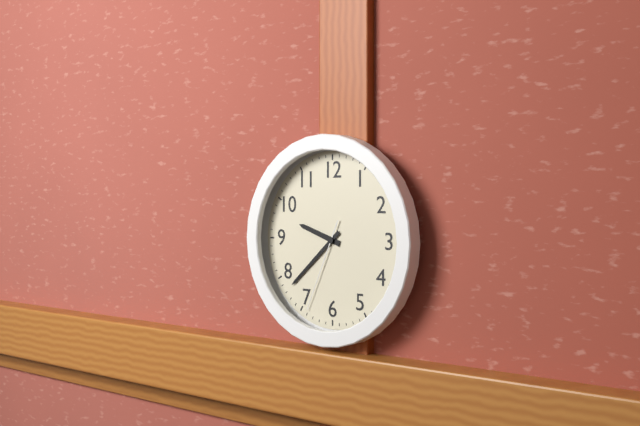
9:38:34
